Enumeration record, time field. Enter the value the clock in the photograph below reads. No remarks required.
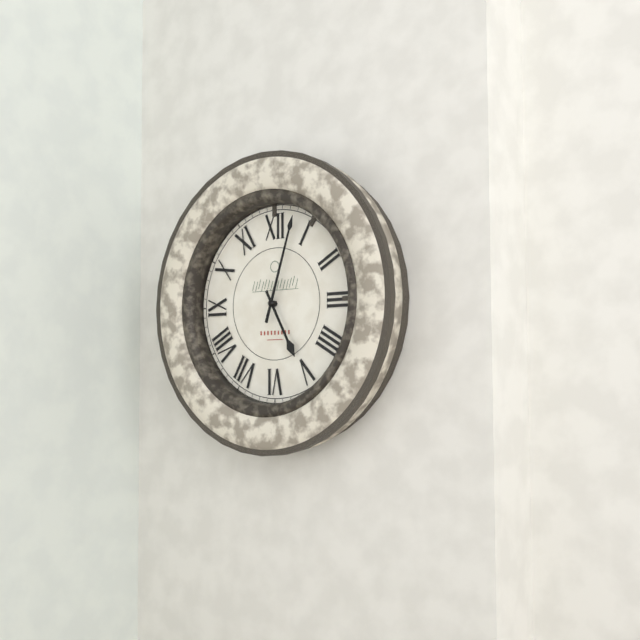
5:03
